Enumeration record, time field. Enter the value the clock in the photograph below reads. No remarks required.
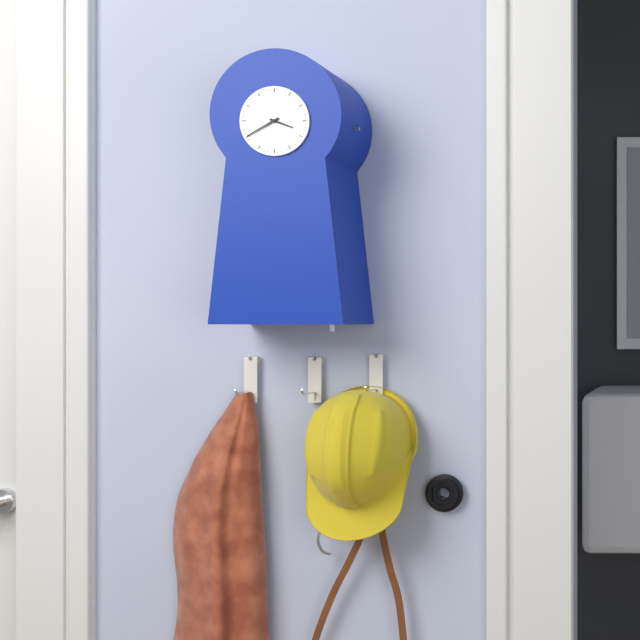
3:40
